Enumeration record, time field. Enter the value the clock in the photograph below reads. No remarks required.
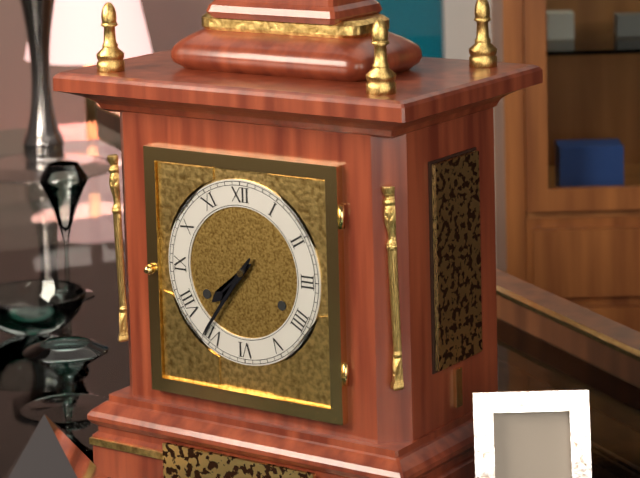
7:36
